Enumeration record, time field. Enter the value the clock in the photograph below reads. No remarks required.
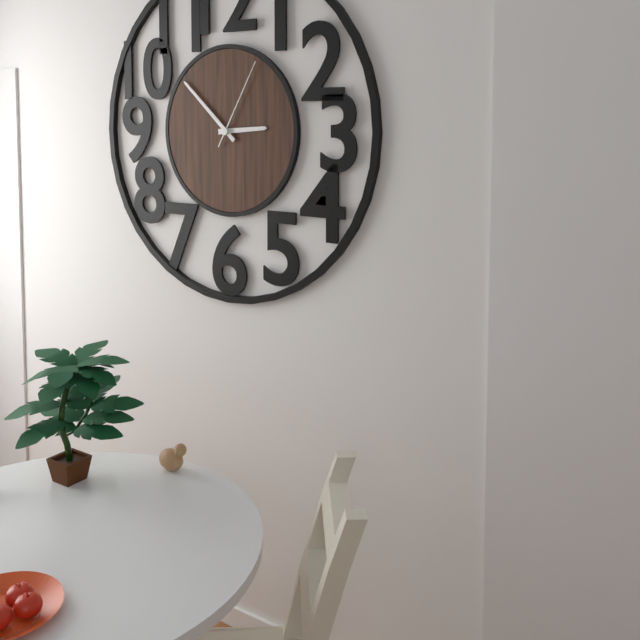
2:52:05
